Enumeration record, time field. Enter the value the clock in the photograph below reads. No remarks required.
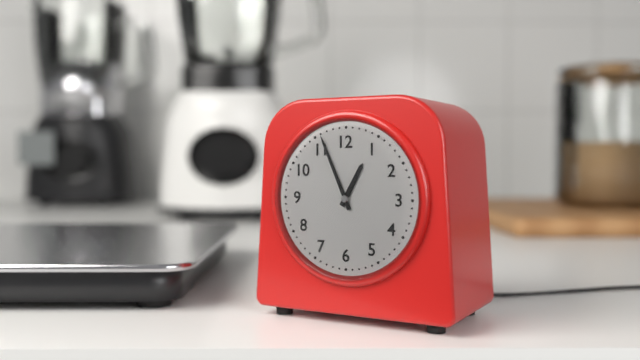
12:56
